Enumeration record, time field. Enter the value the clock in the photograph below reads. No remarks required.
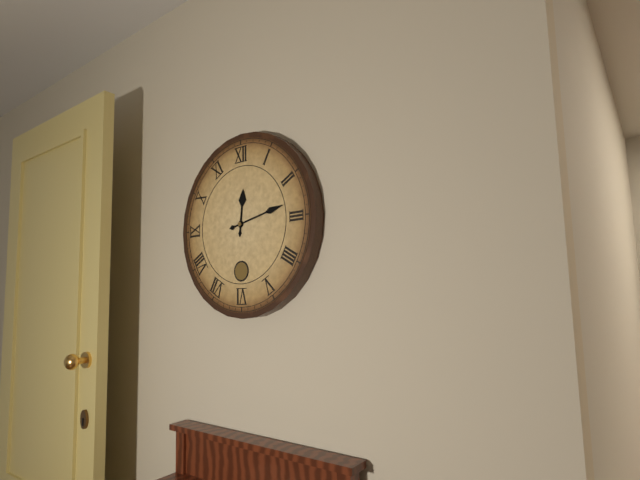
12:13
